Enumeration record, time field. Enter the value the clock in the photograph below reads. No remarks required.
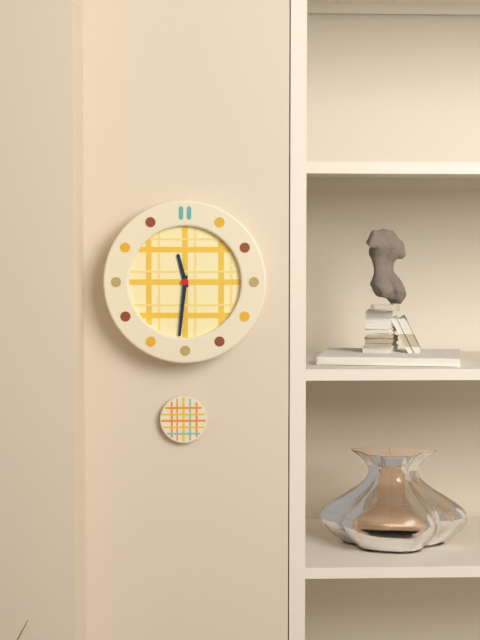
11:31
